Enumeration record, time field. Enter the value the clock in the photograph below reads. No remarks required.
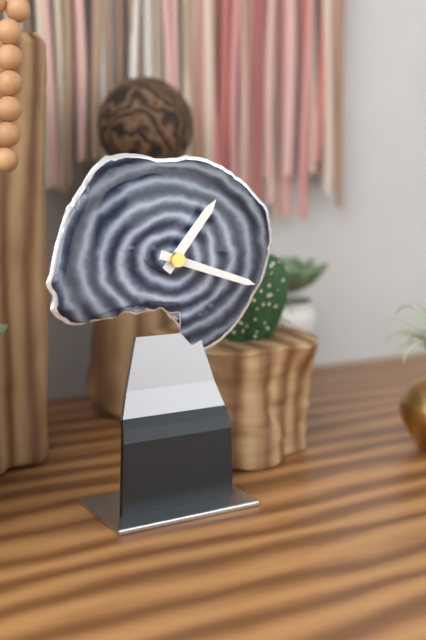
1:18
